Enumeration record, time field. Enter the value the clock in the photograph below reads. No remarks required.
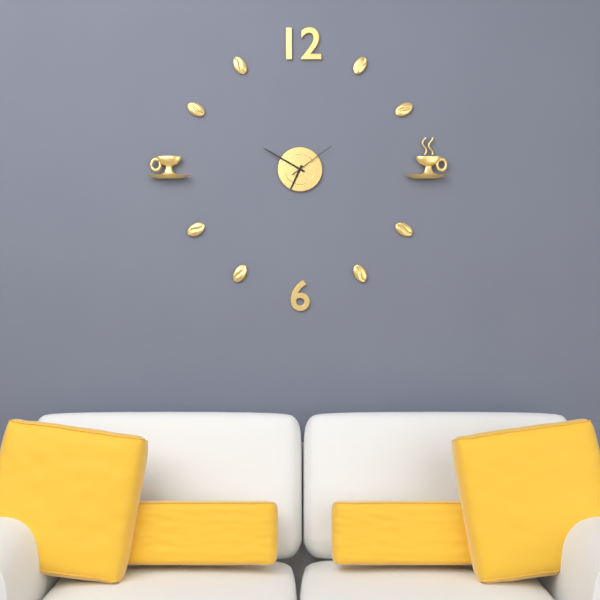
6:50
